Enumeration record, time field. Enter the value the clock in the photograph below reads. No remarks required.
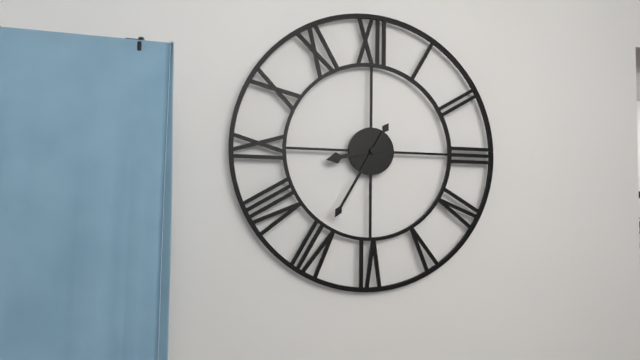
8:35
